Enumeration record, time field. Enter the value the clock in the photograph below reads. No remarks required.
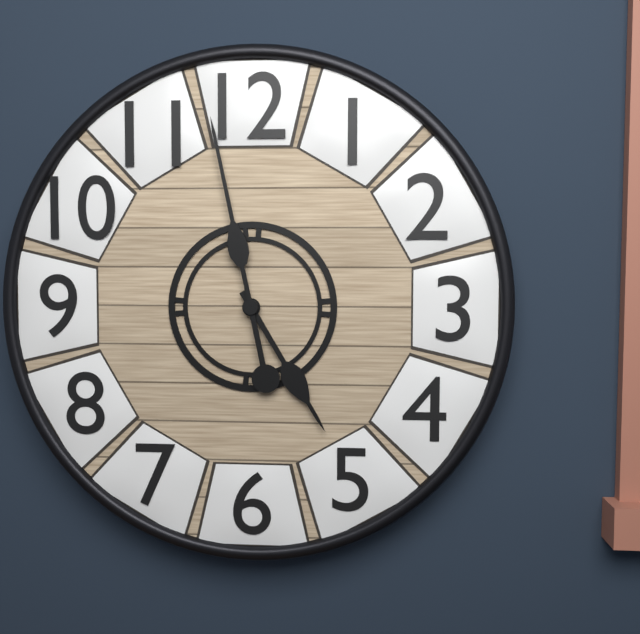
4:58
